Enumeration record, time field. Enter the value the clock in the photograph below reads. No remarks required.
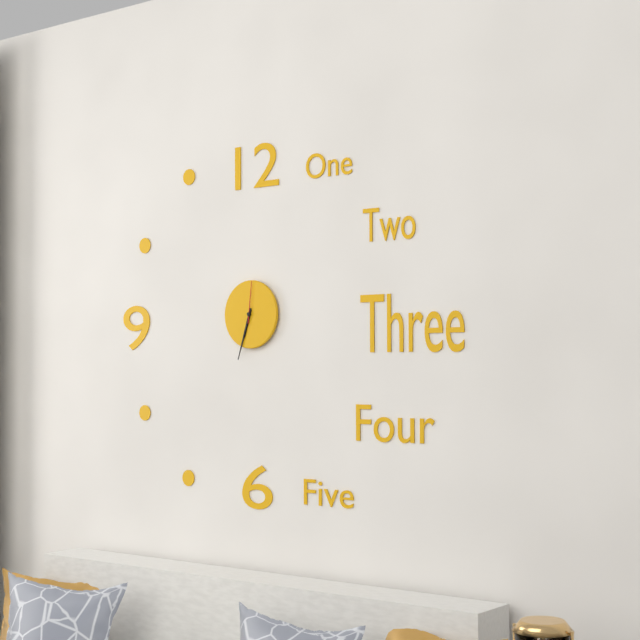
6:33
